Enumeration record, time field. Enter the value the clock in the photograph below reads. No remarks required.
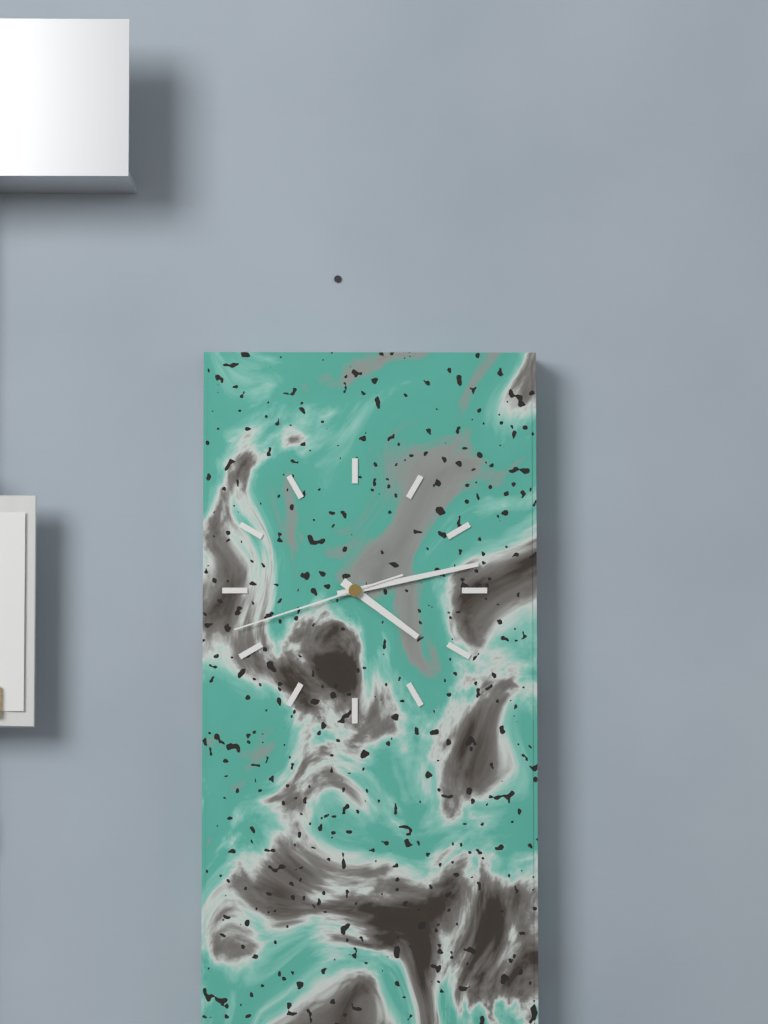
4:13:42
